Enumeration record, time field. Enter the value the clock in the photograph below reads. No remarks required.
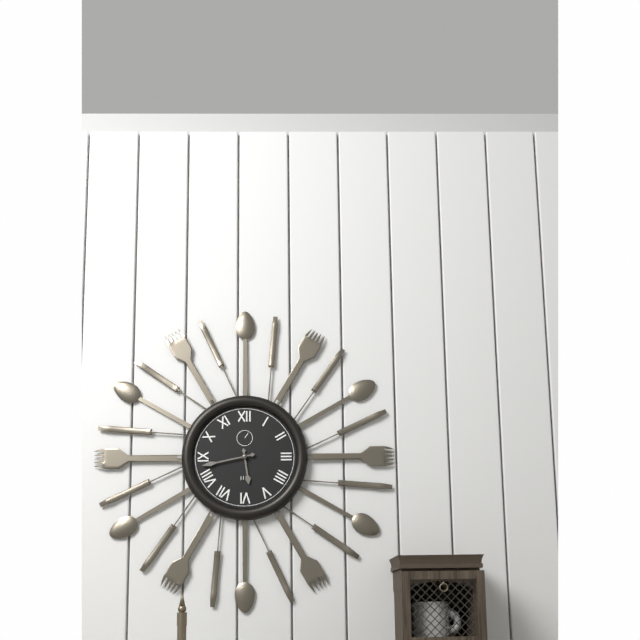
5:43
